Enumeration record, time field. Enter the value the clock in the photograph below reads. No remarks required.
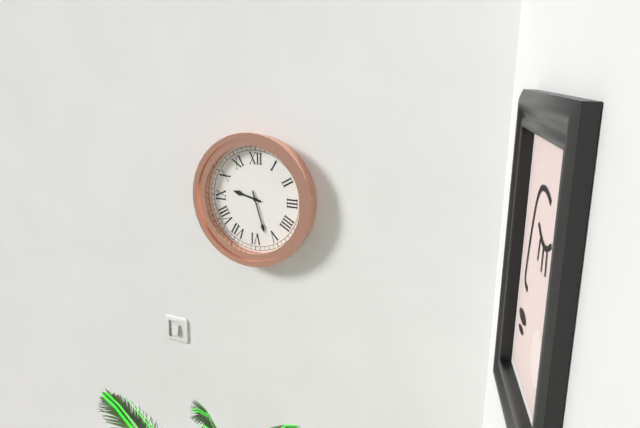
9:27
